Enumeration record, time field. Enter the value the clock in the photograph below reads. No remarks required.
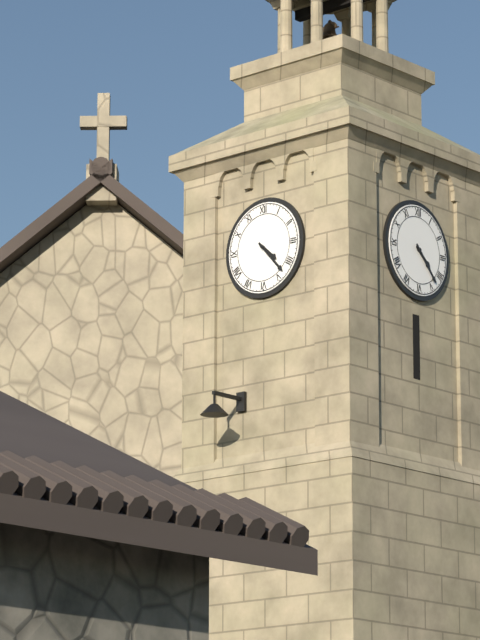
4:23
